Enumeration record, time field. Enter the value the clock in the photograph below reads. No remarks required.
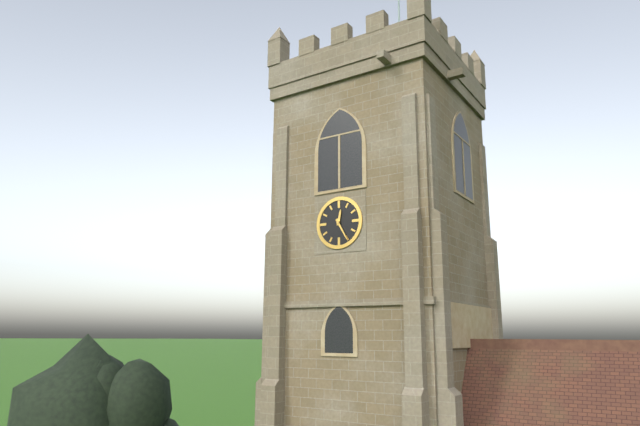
12:25
